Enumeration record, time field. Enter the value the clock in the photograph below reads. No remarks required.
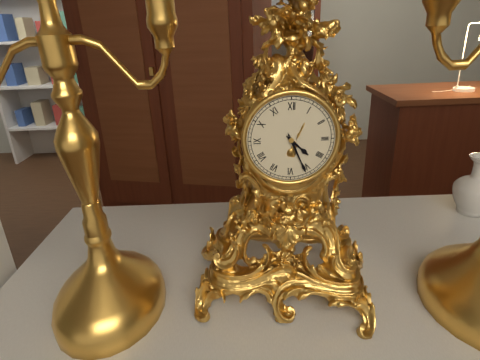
4:26
